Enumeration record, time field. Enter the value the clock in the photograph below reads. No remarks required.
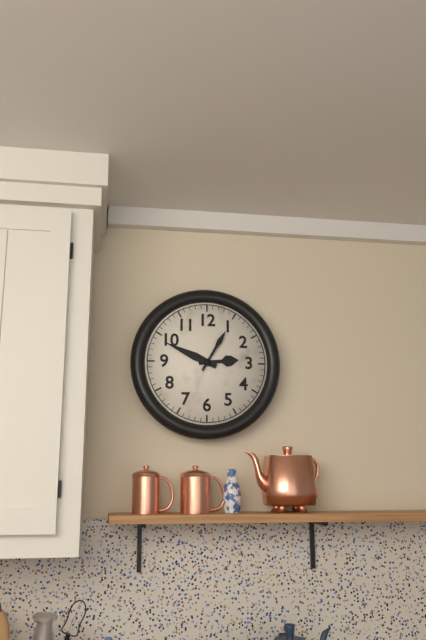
2:49
